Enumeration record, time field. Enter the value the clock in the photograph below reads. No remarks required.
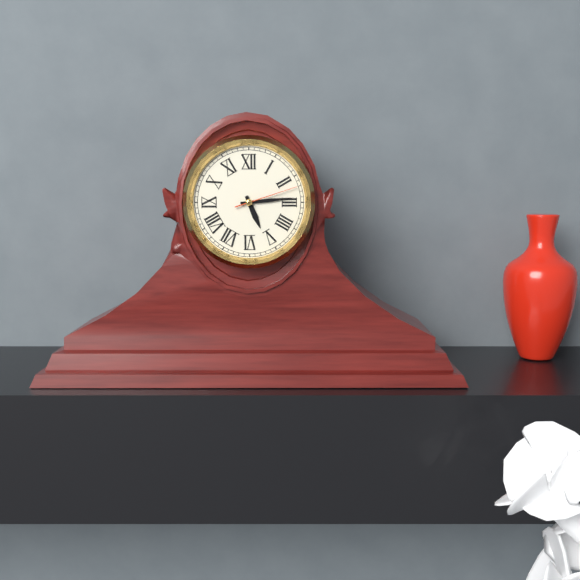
5:14:12
